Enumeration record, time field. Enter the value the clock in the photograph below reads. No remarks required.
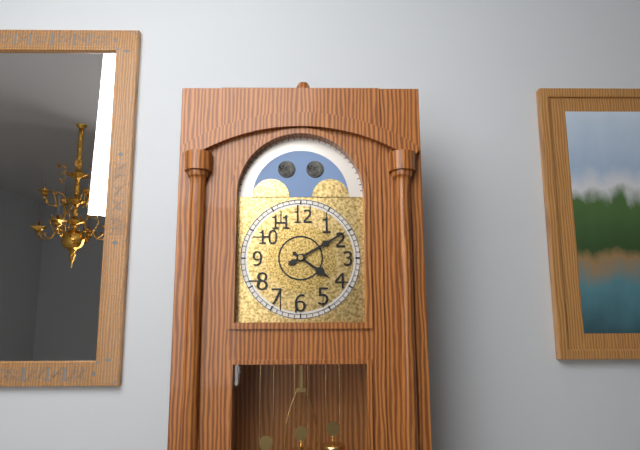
4:10
